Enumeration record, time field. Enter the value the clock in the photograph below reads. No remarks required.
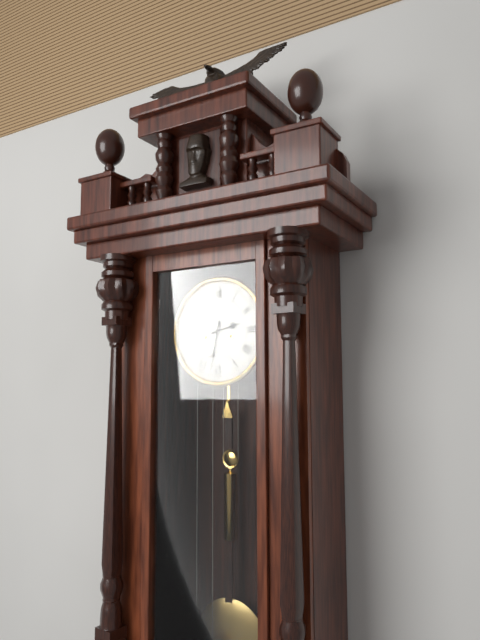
2:32
